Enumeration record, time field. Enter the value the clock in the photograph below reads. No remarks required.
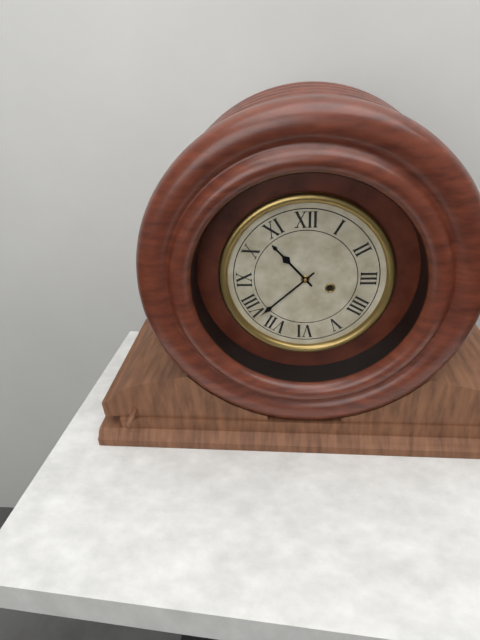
10:38
